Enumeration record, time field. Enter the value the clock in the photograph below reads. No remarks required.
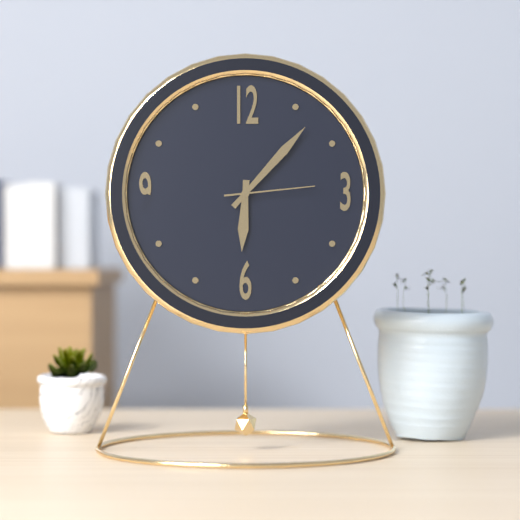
6:07:14
